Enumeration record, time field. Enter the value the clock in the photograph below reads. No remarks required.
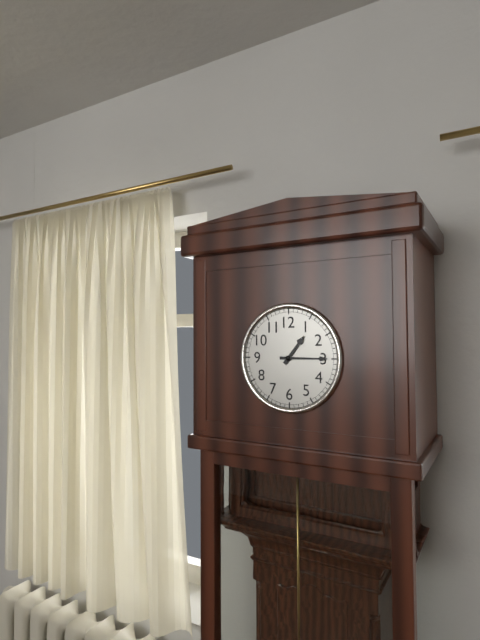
1:15
